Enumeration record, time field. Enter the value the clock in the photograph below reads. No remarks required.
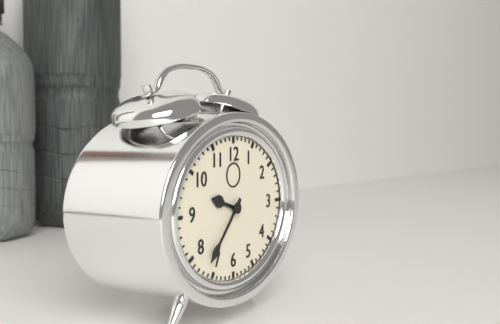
9:37
